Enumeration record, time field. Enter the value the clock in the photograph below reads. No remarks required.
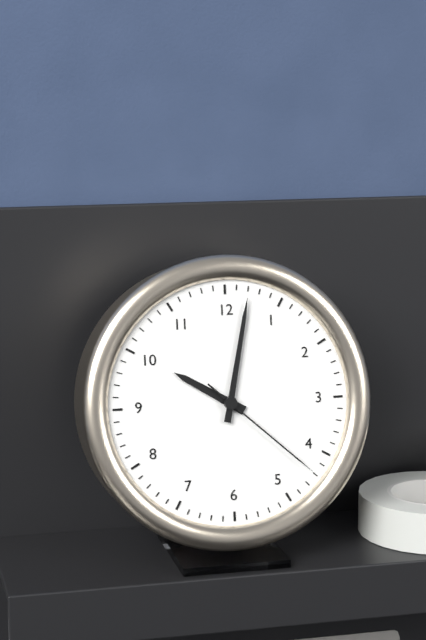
10:02:22
